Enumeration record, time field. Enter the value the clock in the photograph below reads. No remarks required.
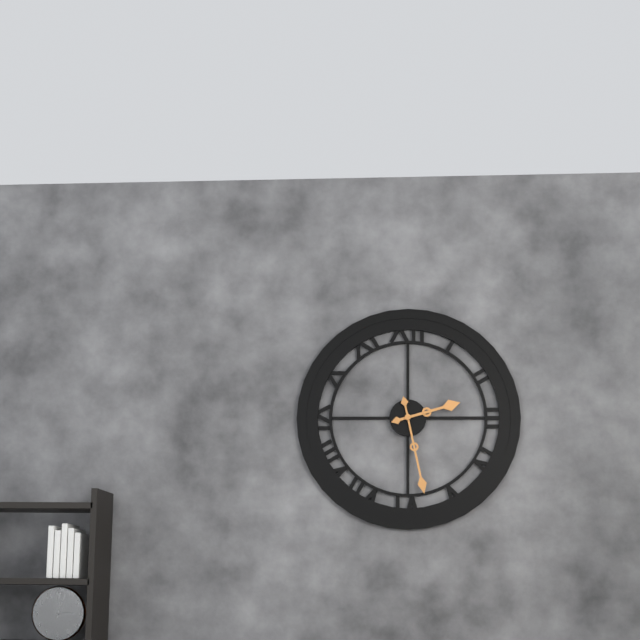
2:28
